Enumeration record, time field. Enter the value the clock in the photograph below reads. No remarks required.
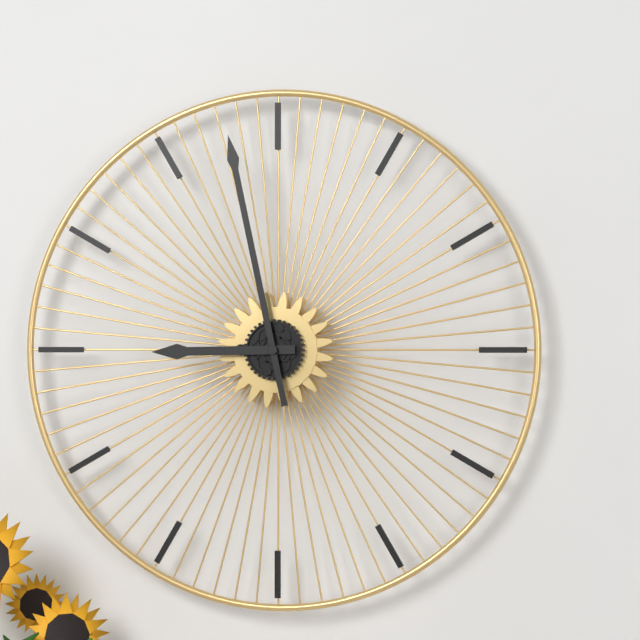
8:58
